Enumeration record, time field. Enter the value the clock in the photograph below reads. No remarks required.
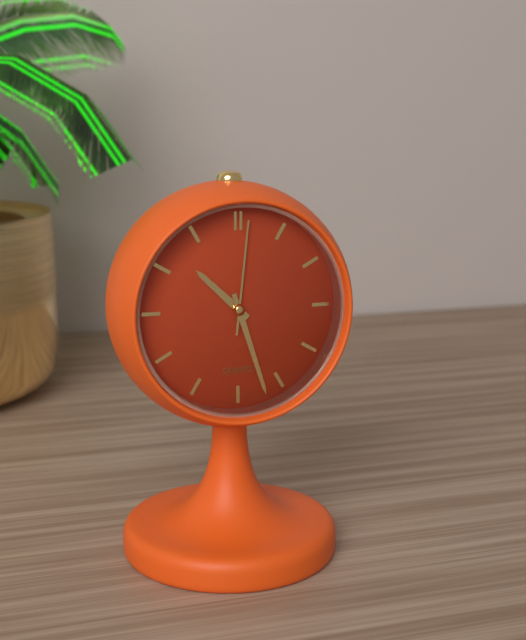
10:27:01
